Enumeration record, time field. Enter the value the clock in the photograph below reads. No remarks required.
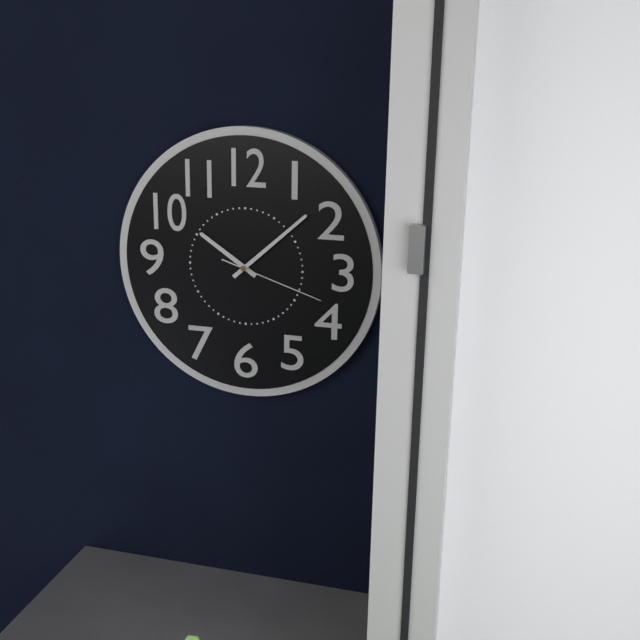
10:08:18
